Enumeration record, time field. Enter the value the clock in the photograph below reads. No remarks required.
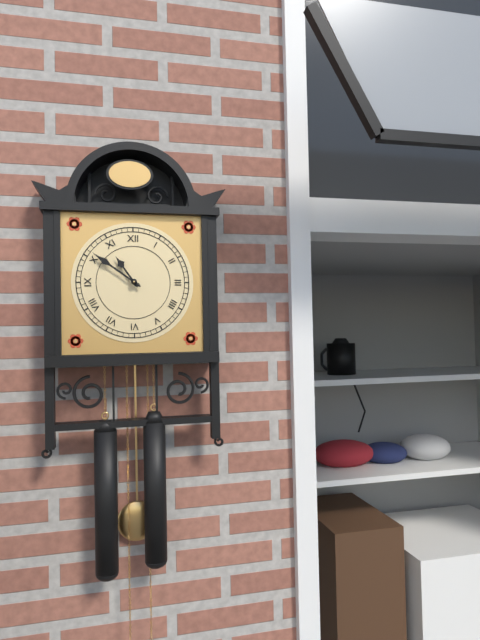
10:51
